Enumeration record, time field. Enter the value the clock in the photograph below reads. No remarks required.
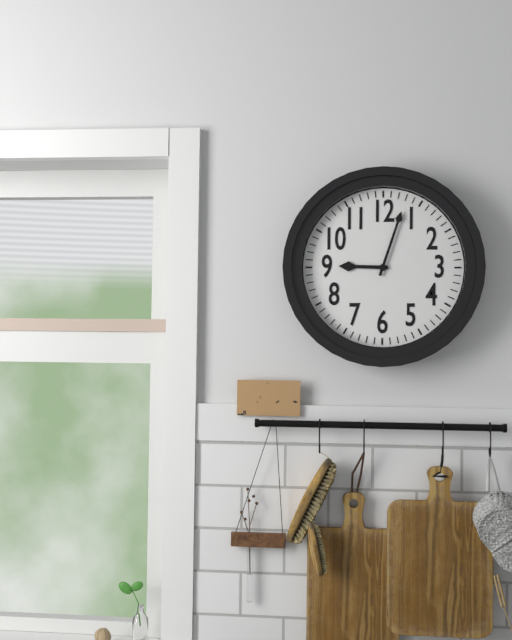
9:03
